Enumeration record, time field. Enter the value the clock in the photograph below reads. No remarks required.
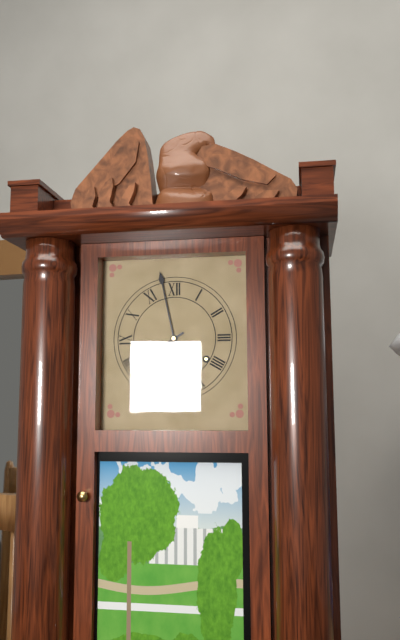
7:58
